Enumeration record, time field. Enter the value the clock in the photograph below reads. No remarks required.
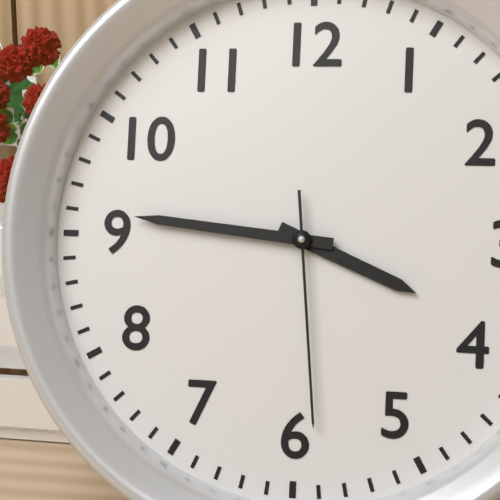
3:46:29
